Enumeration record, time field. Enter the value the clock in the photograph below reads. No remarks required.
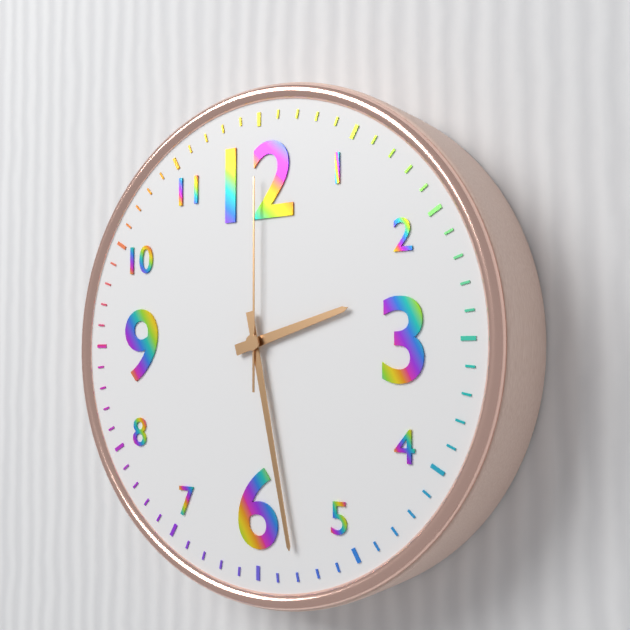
2:28:00
